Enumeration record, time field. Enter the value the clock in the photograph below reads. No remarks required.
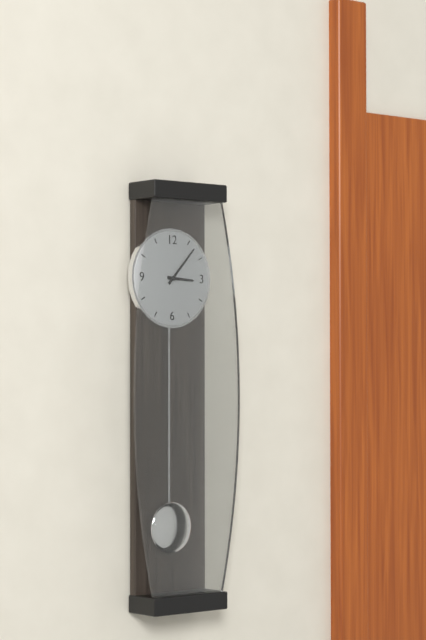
3:07
